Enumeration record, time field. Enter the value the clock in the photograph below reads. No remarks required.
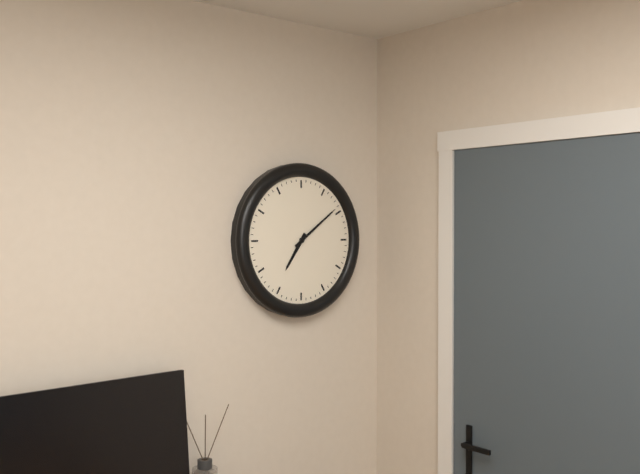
7:09
